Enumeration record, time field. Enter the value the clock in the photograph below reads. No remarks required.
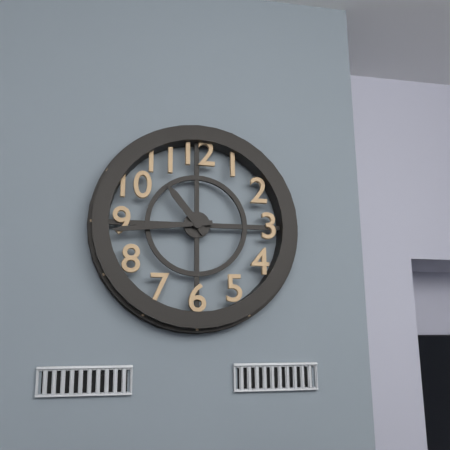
10:44
